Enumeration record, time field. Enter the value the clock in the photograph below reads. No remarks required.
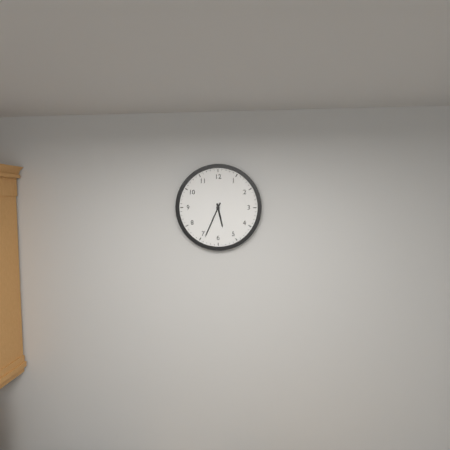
5:34
